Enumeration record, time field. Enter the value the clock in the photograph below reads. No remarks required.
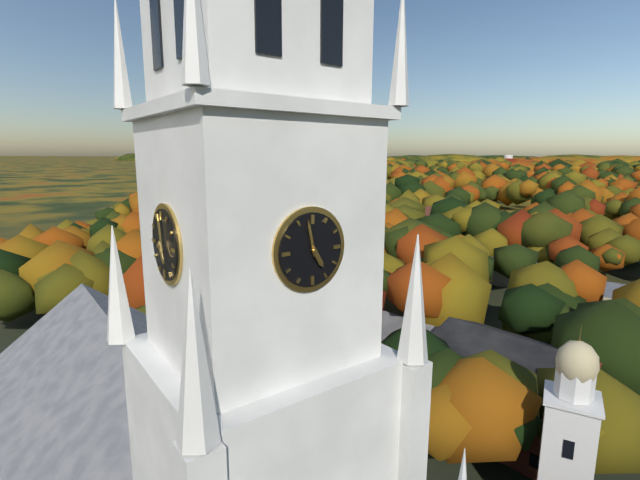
4:58
